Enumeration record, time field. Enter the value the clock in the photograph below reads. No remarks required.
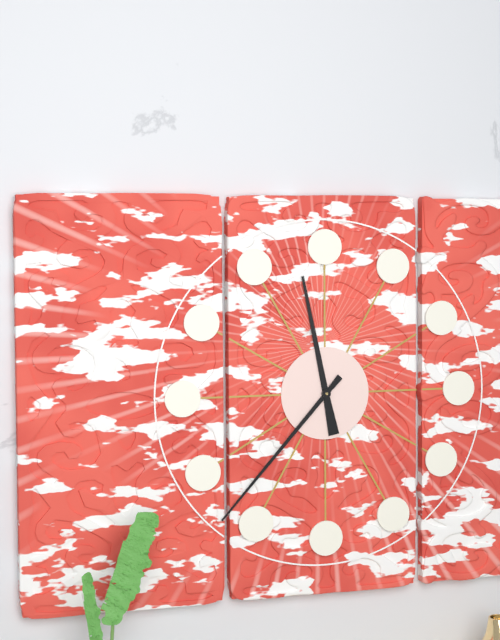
11:37
